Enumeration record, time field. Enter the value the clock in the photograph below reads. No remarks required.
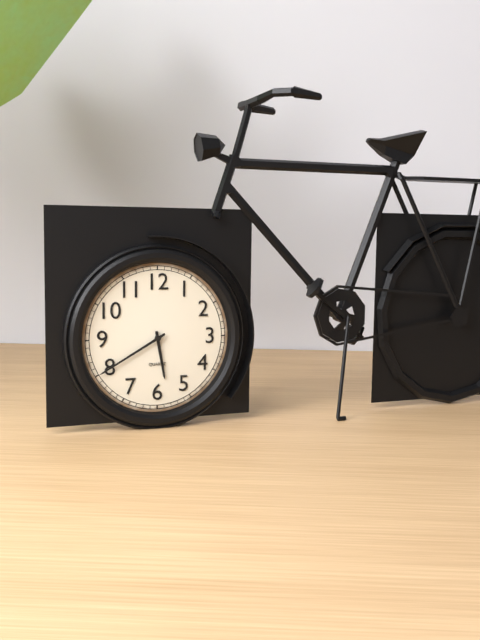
5:40
